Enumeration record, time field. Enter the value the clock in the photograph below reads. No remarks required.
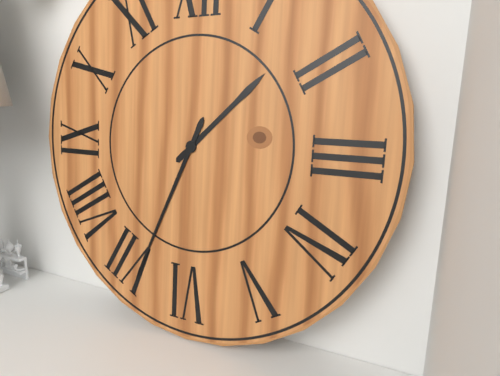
1:34
